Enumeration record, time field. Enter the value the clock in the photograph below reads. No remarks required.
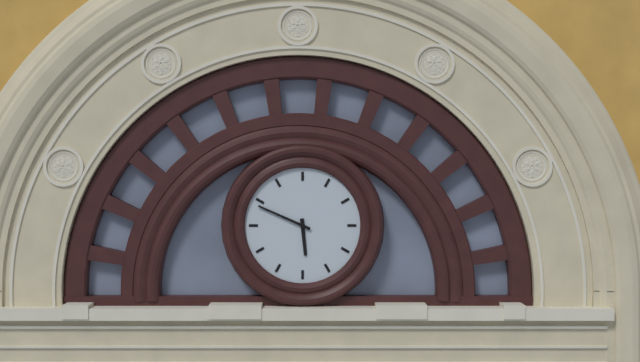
5:49
